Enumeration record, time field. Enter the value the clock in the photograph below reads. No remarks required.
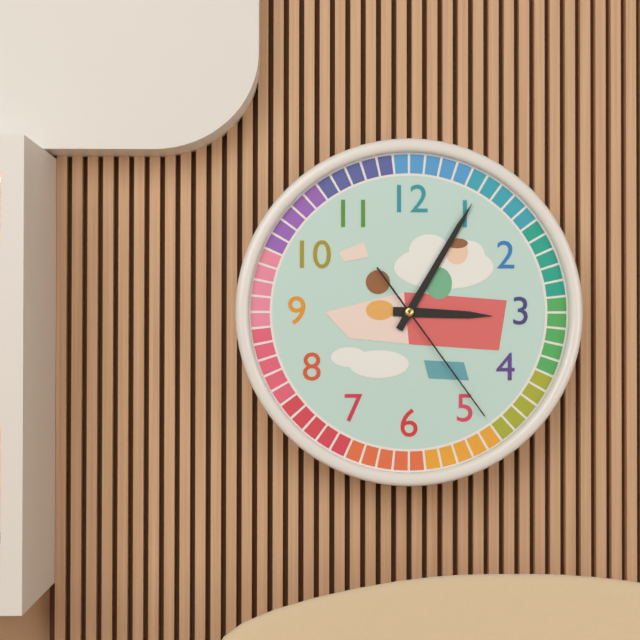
3:05:24
